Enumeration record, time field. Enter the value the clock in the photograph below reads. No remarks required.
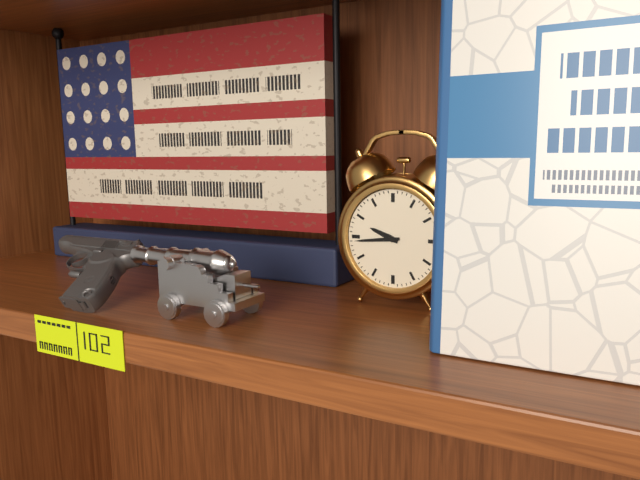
9:44
